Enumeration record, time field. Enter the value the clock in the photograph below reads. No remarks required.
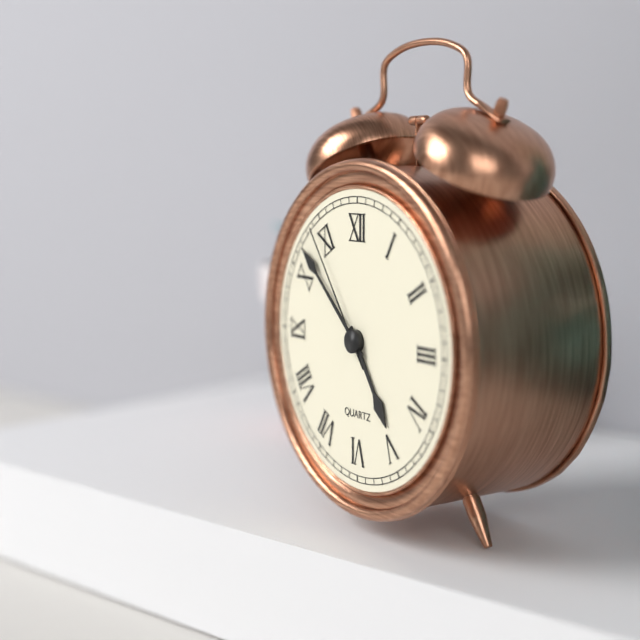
4:52:54
